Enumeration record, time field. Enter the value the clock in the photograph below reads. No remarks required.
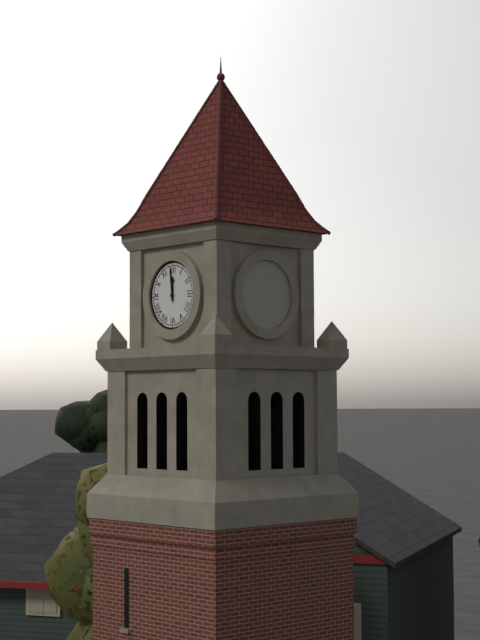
11:59
